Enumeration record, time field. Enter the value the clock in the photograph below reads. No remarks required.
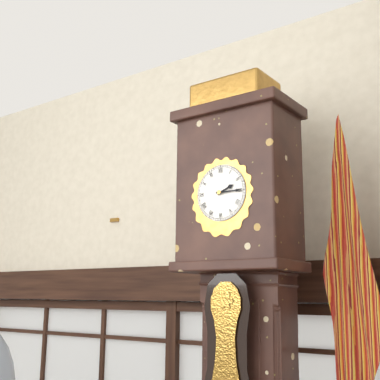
2:15
